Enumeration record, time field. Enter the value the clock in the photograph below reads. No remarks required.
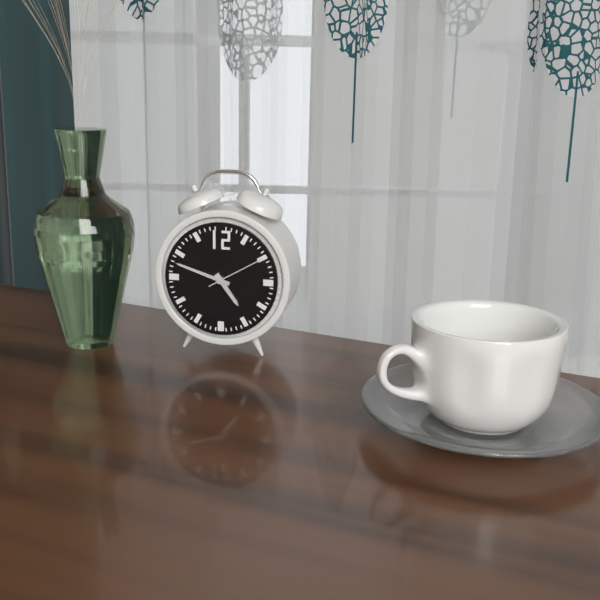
4:48:10
